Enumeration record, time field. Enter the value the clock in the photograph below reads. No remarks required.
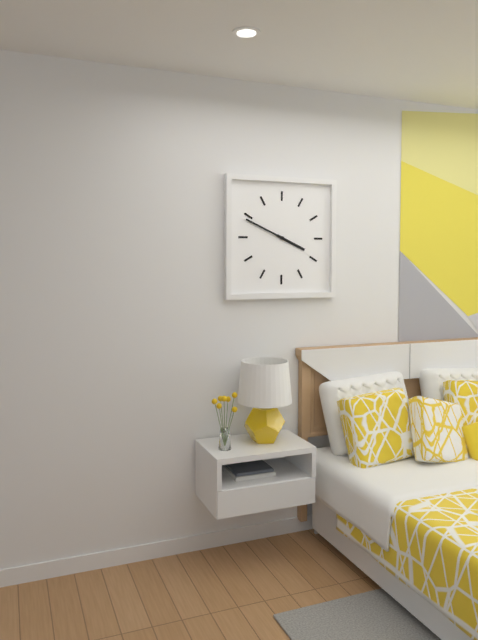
3:49
